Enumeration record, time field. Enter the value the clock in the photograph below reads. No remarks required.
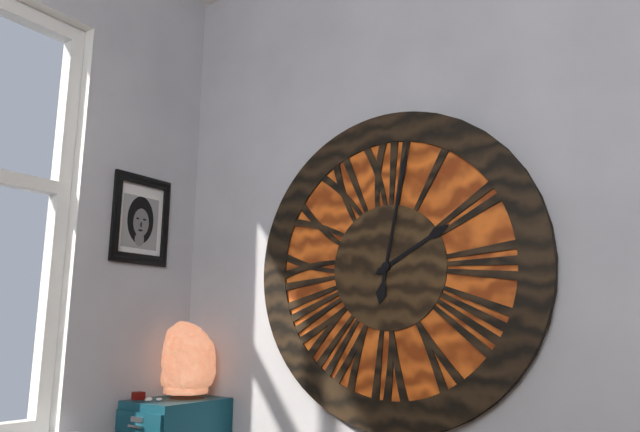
2:02
